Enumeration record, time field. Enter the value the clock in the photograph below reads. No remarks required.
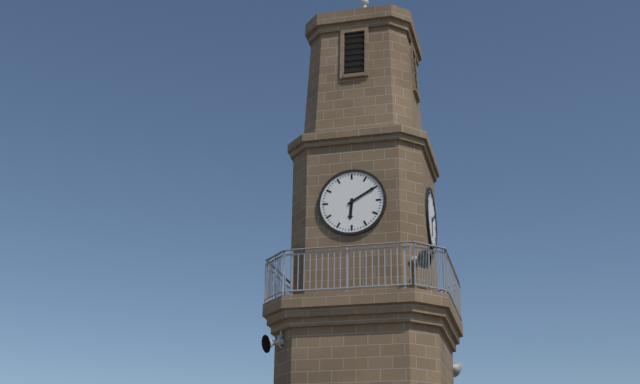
6:10
